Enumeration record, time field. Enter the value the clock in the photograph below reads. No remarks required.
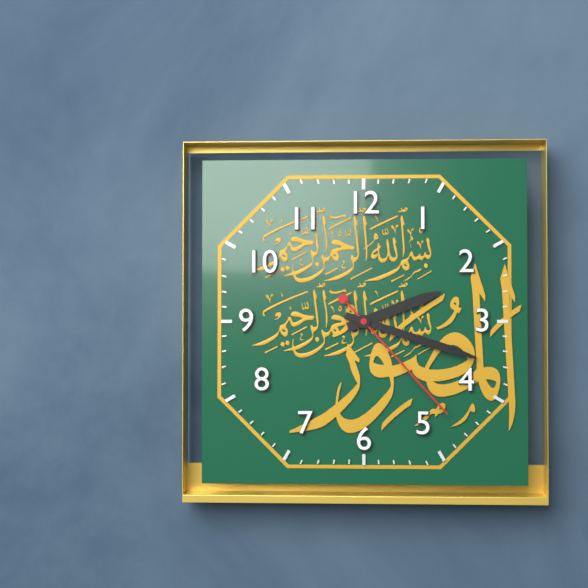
2:18:23
